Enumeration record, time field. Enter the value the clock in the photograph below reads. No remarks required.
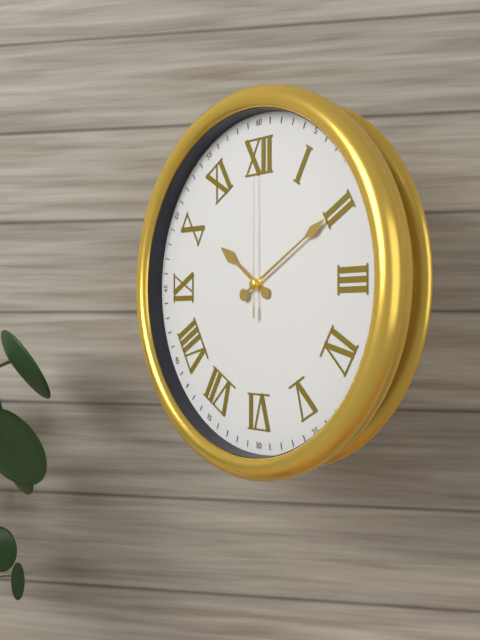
10:10:00
